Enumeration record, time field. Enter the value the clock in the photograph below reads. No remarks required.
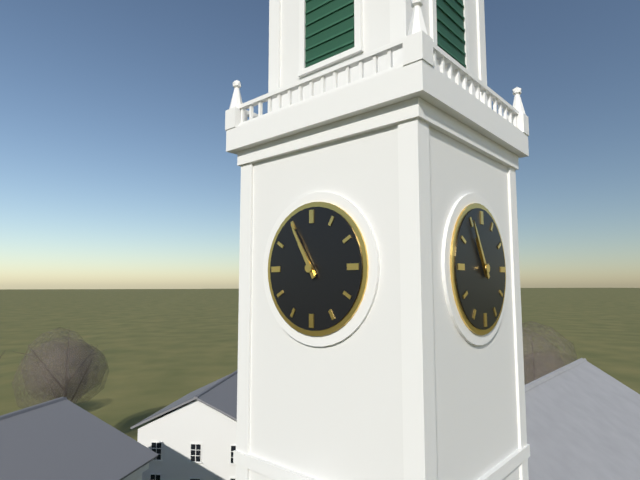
10:55
